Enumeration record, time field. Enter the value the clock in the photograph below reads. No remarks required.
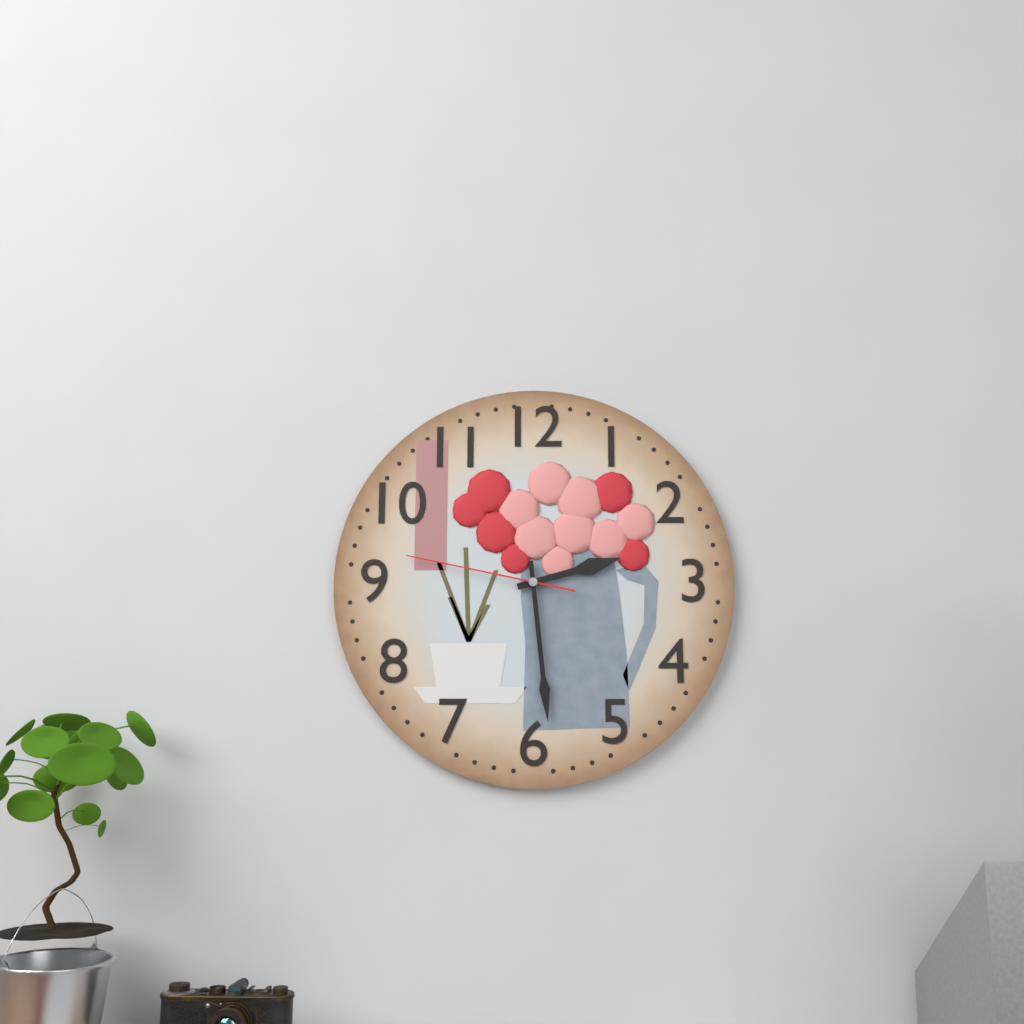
2:29:47
